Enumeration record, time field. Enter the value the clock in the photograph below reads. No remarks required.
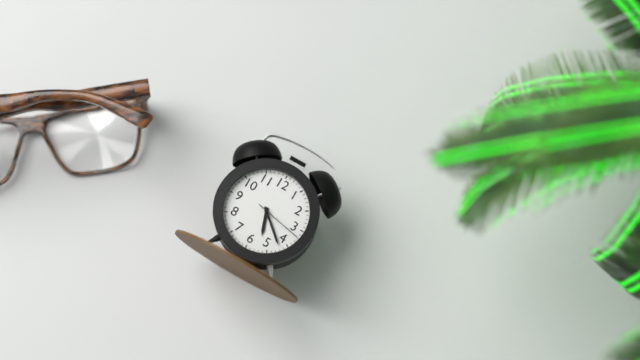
5:22
